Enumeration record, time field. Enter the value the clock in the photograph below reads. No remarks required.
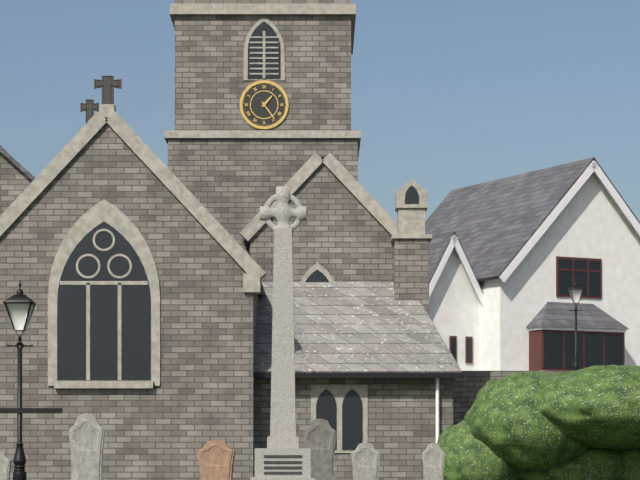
1:24
